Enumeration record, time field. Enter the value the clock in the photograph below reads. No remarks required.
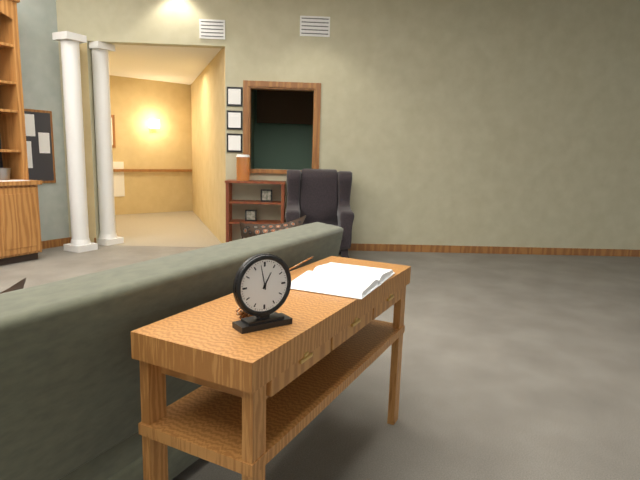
12:58
